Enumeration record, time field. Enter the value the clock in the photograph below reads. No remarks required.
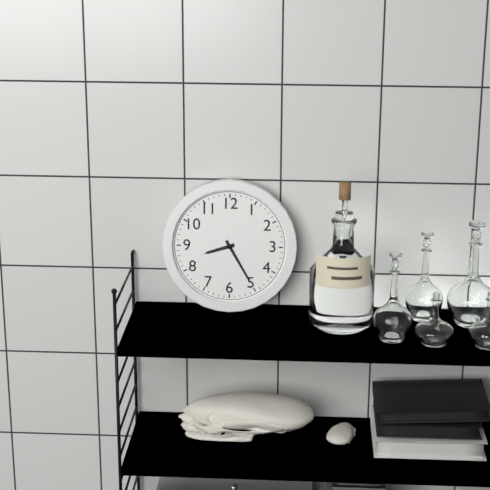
8:25
